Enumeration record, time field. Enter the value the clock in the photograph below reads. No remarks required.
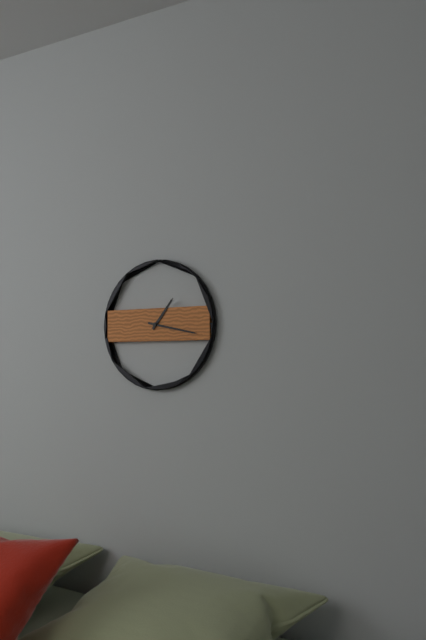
1:17
